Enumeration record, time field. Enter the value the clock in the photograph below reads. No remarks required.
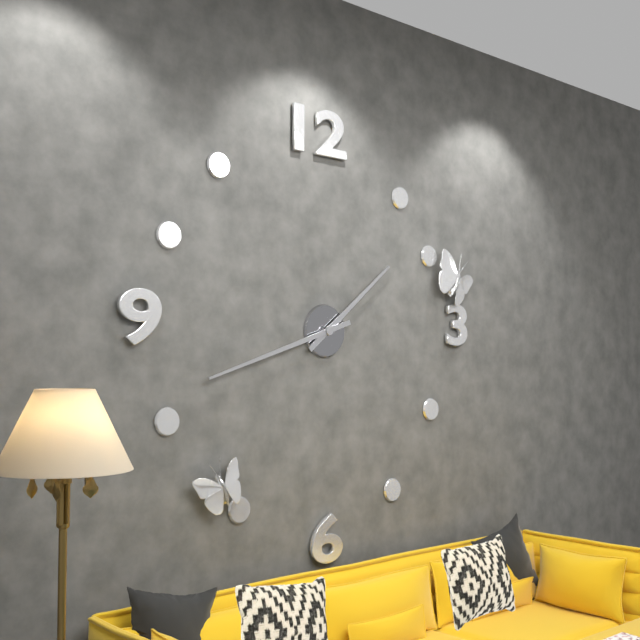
1:42
